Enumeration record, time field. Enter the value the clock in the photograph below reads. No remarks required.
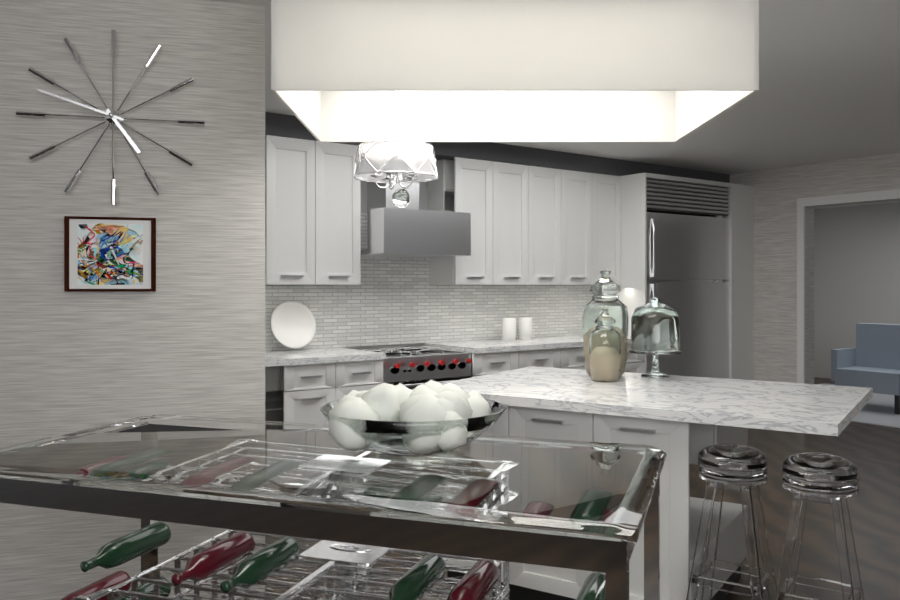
4:48
